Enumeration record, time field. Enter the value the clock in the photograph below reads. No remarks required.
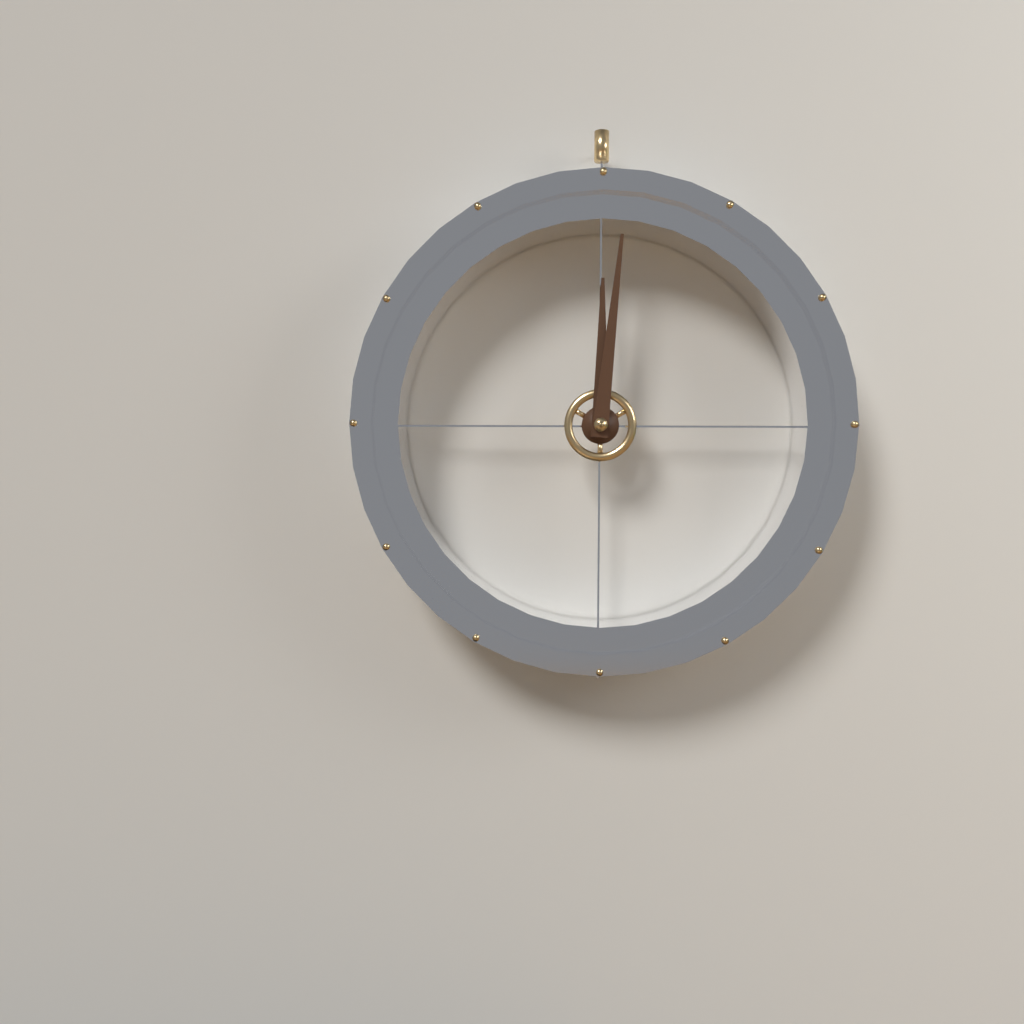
12:01
